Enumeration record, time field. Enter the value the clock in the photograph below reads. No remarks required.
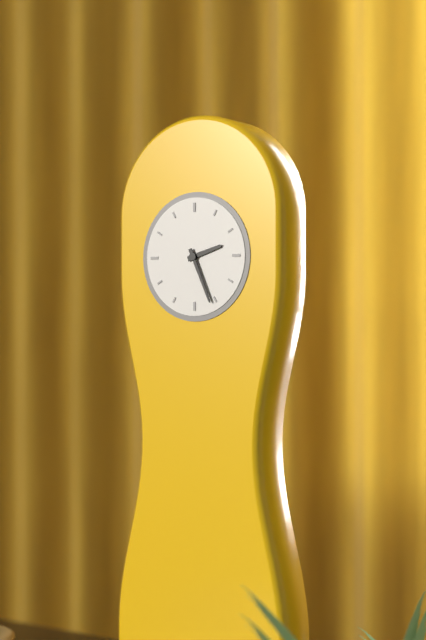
2:26
